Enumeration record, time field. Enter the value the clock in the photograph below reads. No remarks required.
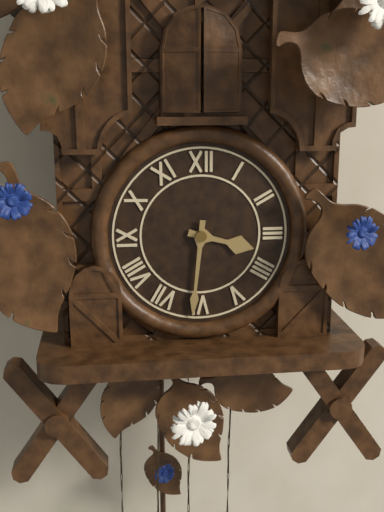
3:31
